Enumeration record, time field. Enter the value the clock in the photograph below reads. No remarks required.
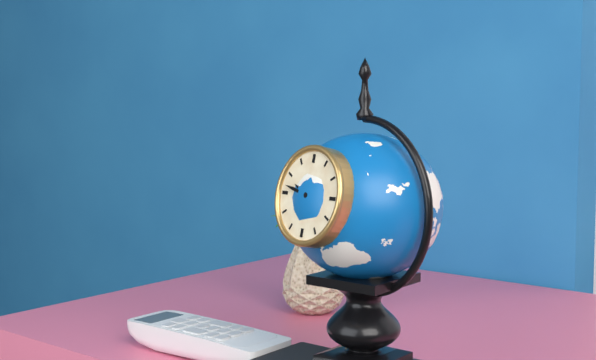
9:47
